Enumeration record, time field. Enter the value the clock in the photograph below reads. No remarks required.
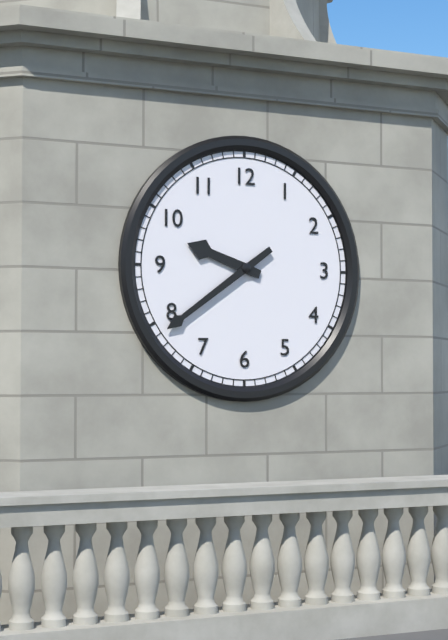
9:39
